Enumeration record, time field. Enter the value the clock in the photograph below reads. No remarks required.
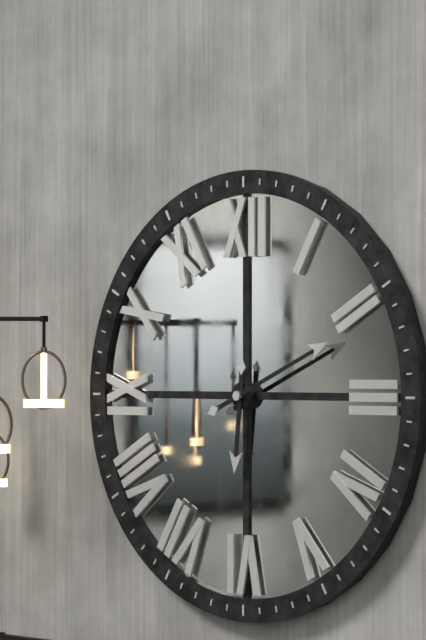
6:11
